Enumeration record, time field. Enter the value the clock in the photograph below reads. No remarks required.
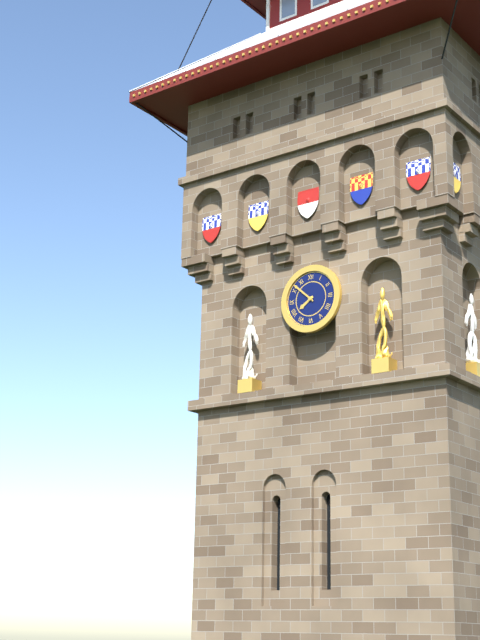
7:52
